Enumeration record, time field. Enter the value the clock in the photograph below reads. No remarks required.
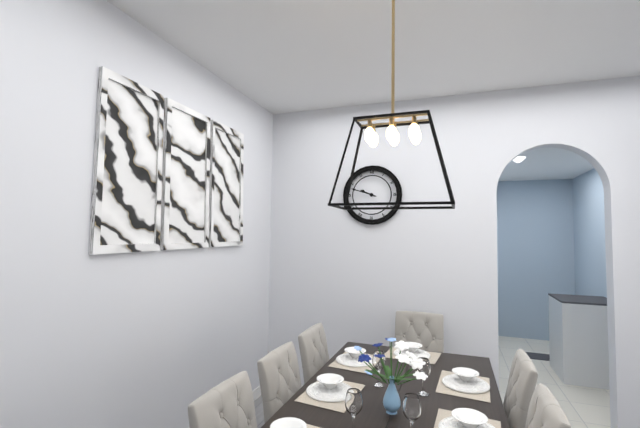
9:48
